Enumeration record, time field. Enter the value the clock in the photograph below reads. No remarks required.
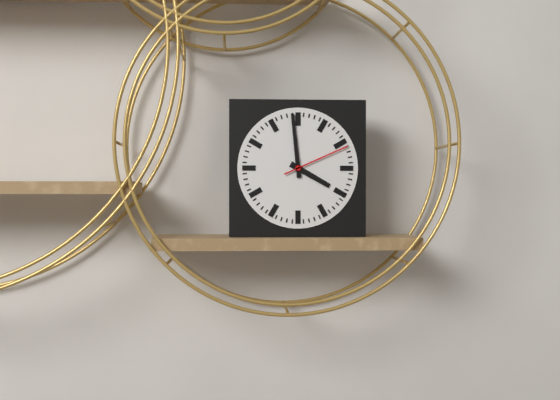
3:59:11
